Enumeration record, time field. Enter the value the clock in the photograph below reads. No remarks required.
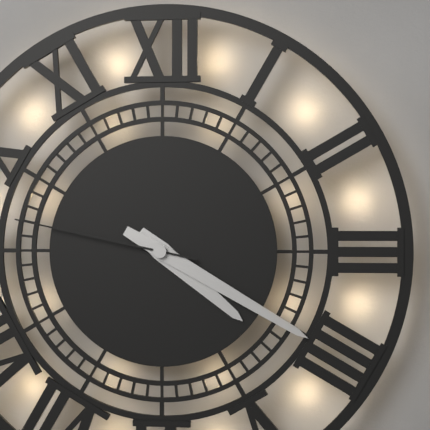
4:20:47
